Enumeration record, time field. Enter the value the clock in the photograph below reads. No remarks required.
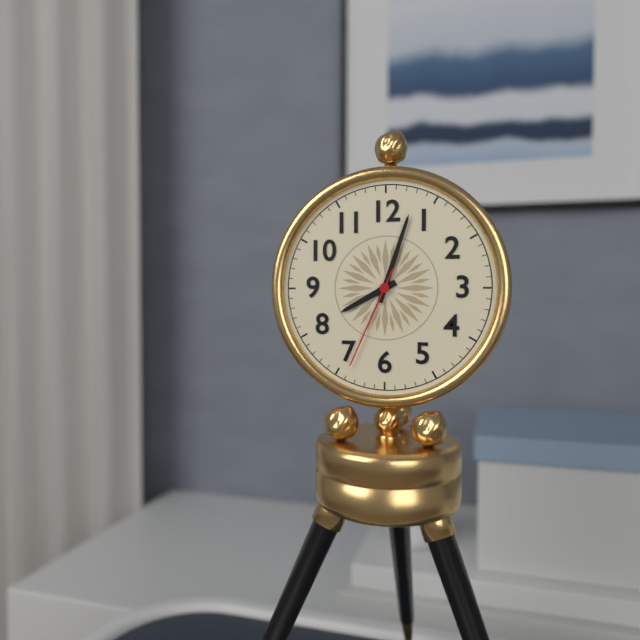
8:03:34
